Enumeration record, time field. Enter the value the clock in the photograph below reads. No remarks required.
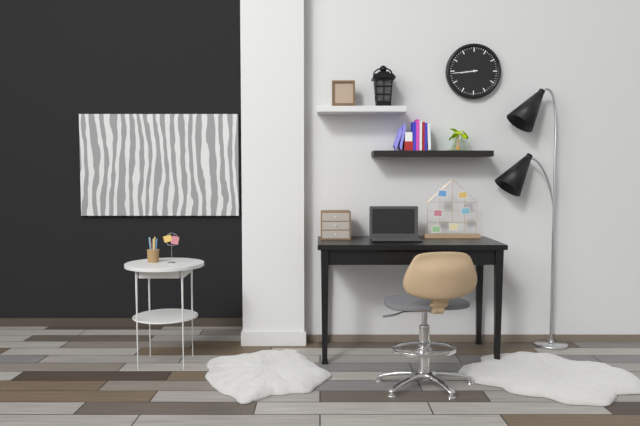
8:44
